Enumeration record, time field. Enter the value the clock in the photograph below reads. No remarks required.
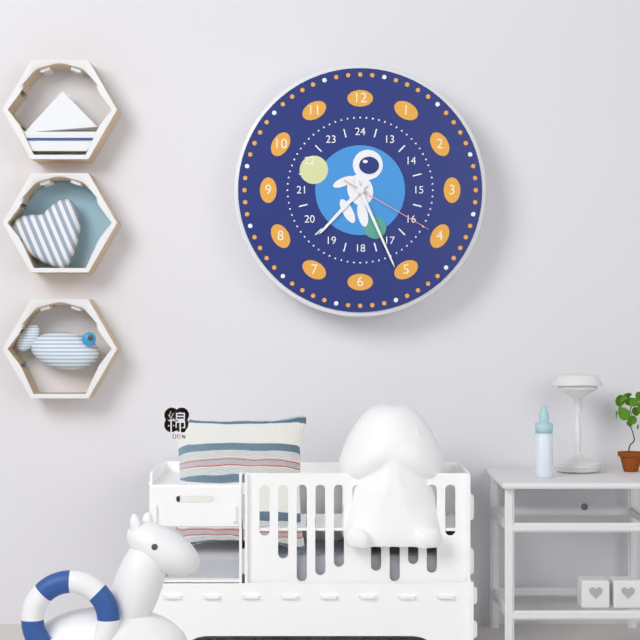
7:26:20
